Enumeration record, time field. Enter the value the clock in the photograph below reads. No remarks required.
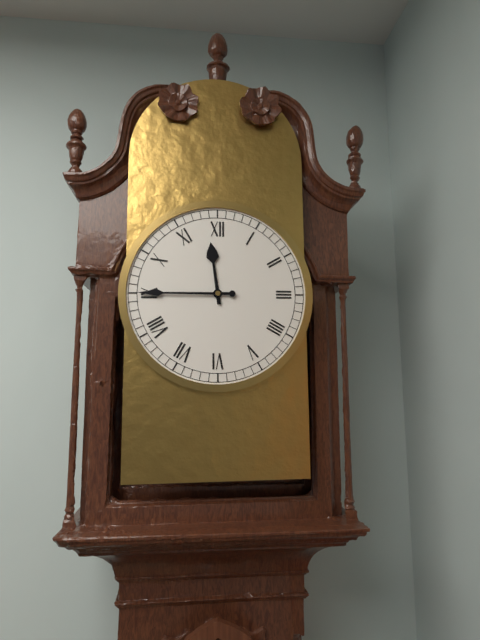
11:45
